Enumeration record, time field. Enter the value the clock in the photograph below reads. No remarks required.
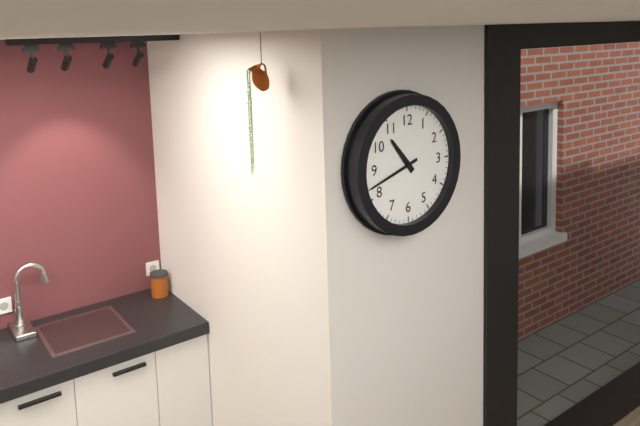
10:42
